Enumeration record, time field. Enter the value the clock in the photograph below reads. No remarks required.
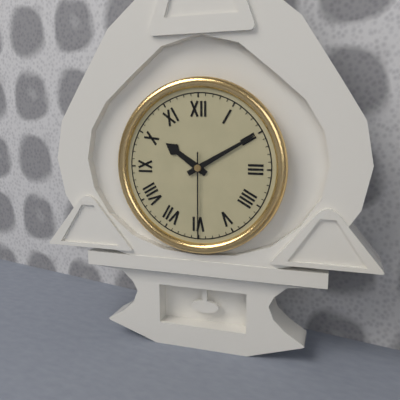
10:10:30
